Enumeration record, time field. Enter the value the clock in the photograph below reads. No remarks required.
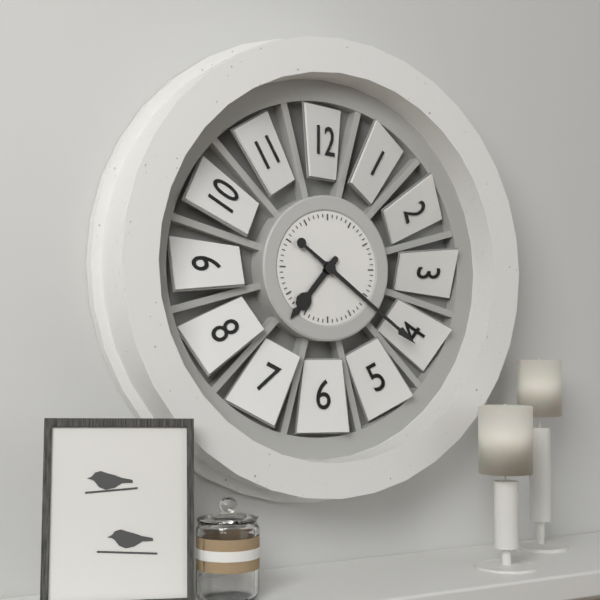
7:21
